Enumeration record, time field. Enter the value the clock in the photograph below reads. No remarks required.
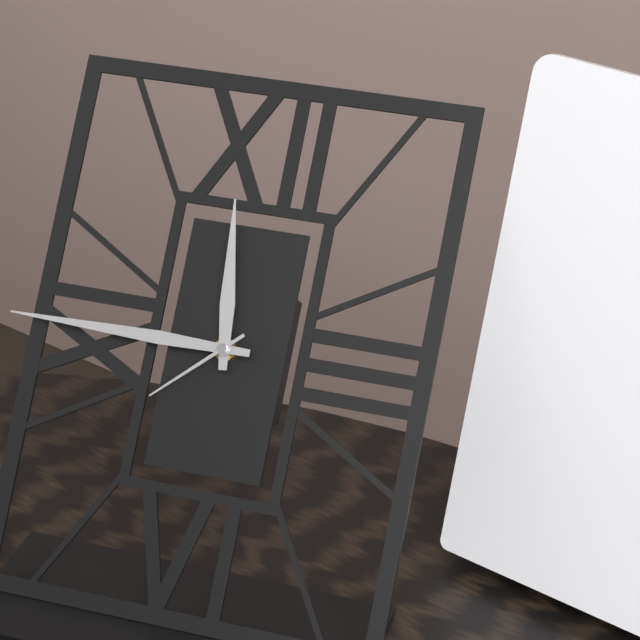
11:45:38
